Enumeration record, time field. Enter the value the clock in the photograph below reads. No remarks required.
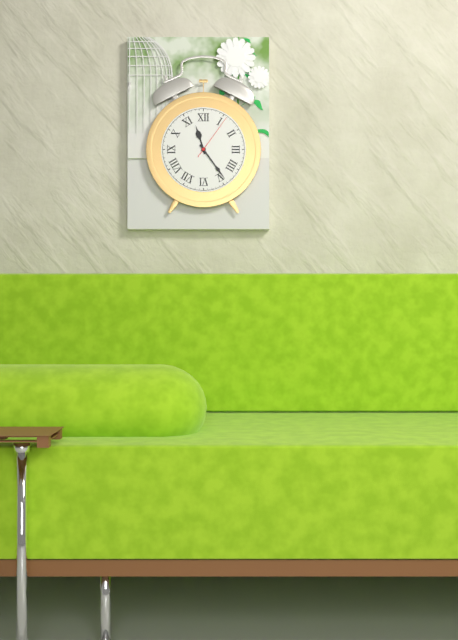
11:24
